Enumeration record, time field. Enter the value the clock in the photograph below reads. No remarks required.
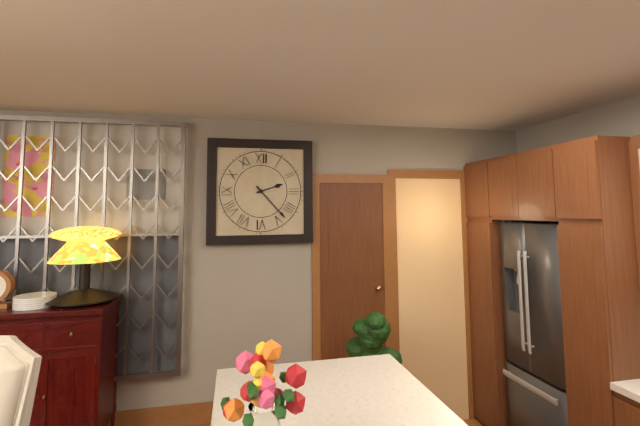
2:23
